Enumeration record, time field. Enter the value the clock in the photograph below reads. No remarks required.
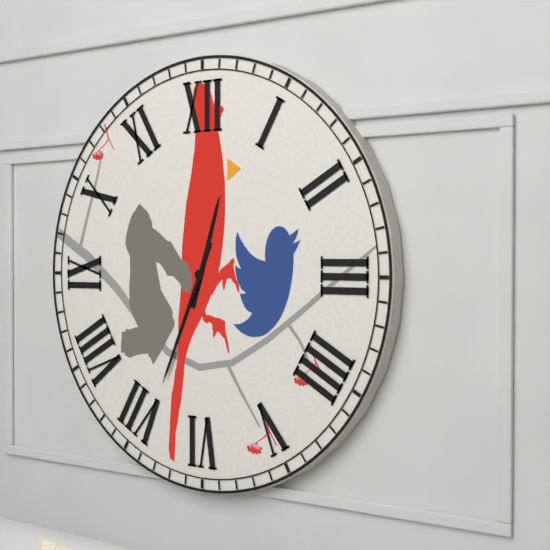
12:34
